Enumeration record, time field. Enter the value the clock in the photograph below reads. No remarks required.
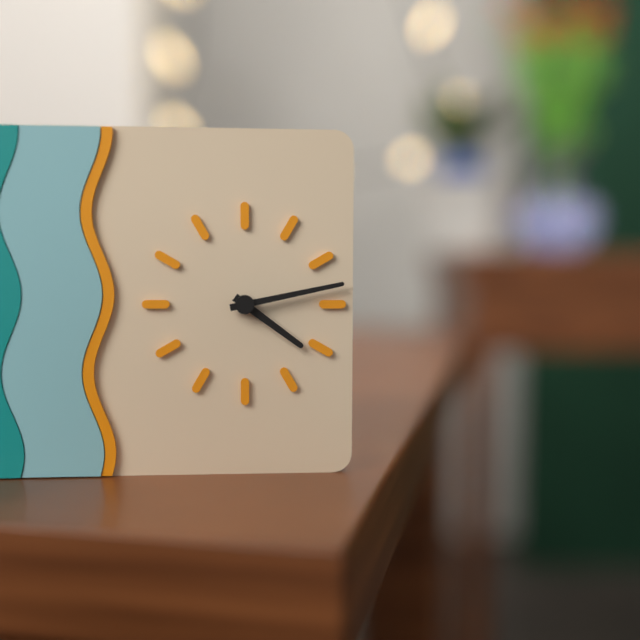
4:13
